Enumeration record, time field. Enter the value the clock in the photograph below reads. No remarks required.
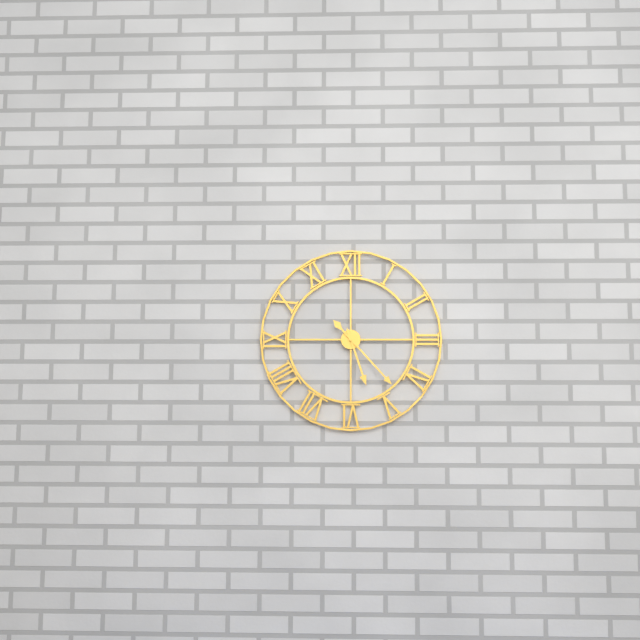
5:23
